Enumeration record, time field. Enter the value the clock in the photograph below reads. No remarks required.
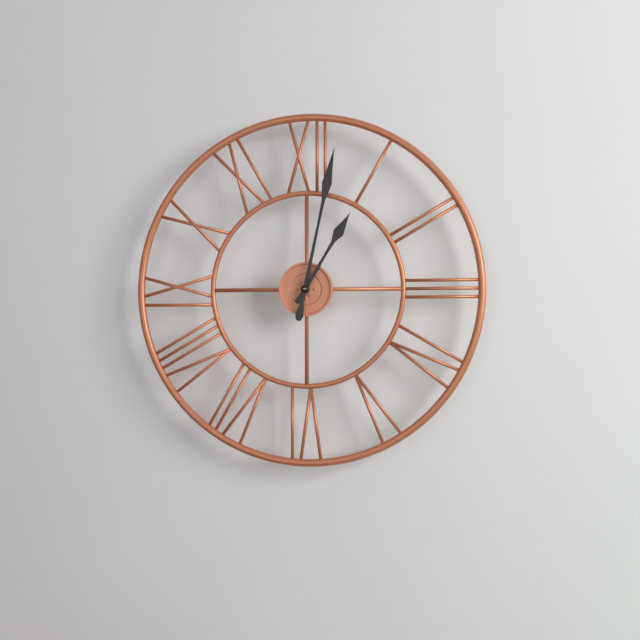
1:02
